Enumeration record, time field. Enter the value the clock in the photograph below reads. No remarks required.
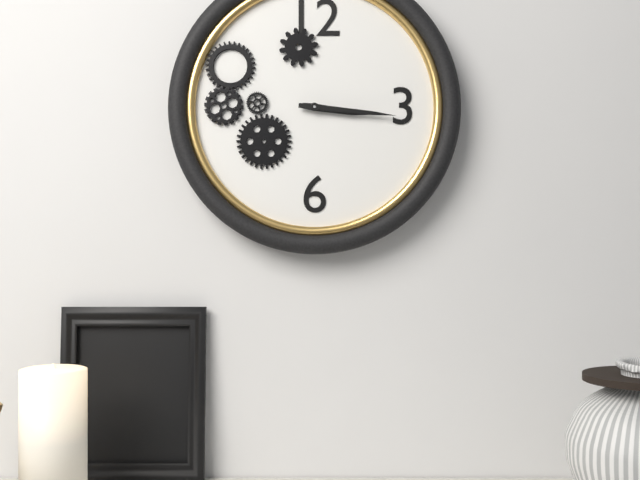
3:16
